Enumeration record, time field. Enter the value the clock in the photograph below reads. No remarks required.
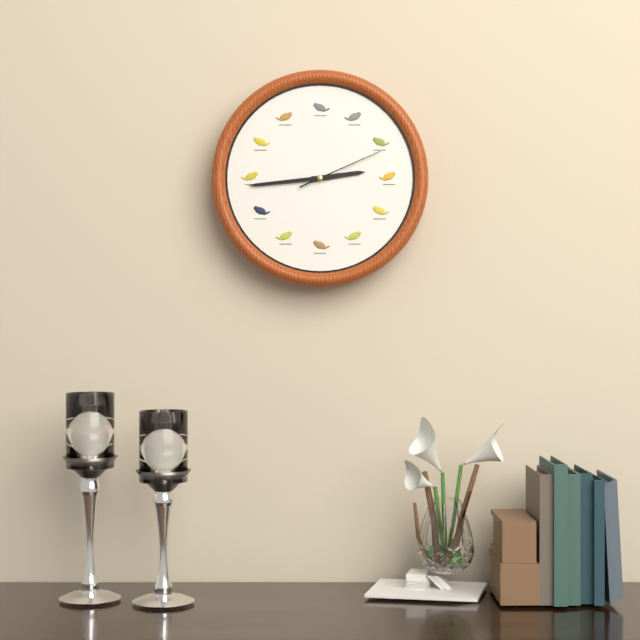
2:44:11
